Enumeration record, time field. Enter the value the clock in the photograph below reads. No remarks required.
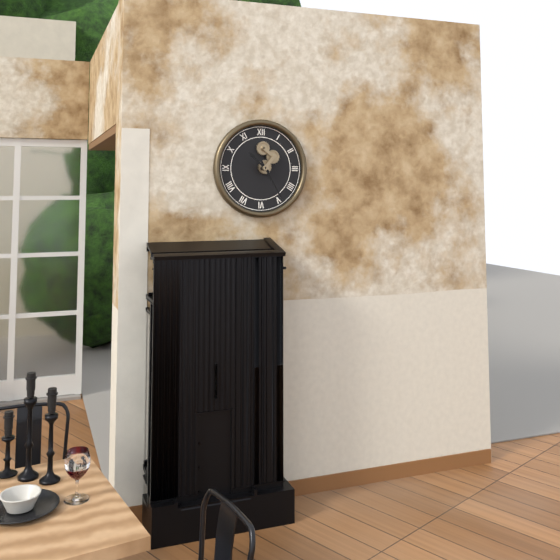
10:25
